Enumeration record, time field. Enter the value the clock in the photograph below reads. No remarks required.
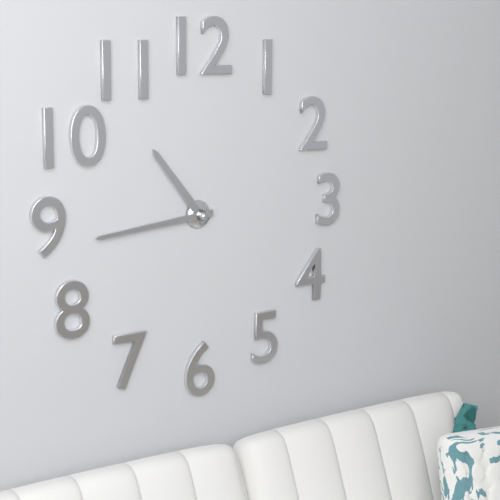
10:44
